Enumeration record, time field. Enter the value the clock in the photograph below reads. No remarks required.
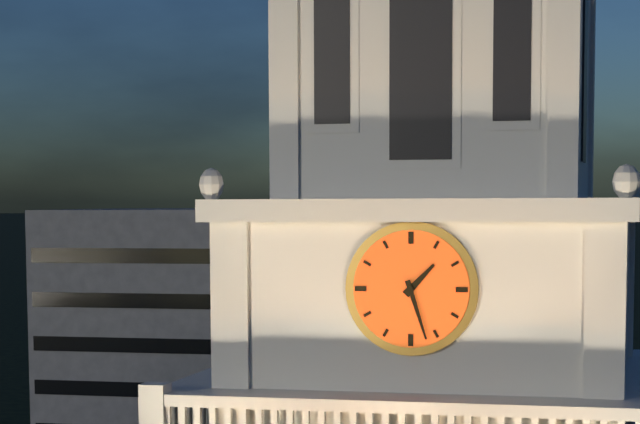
1:27
